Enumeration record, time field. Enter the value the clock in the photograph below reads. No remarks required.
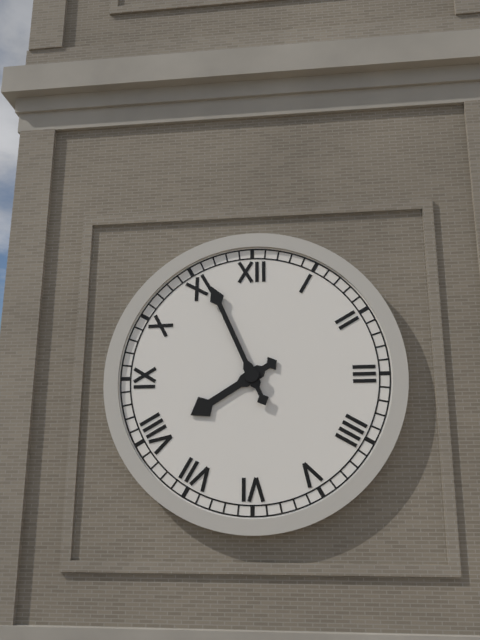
7:56
